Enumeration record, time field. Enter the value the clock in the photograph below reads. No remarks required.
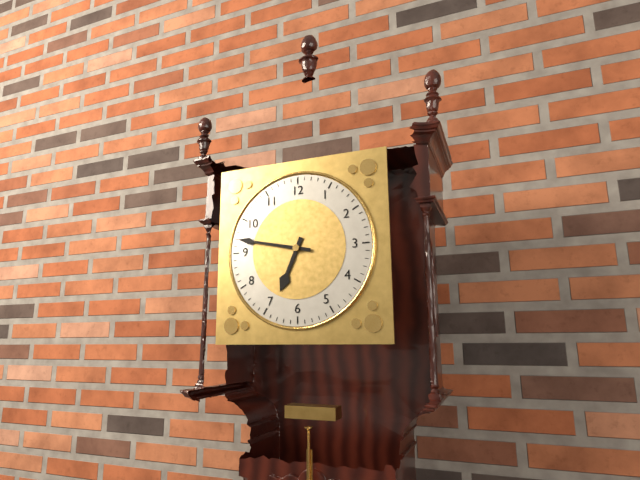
6:47
